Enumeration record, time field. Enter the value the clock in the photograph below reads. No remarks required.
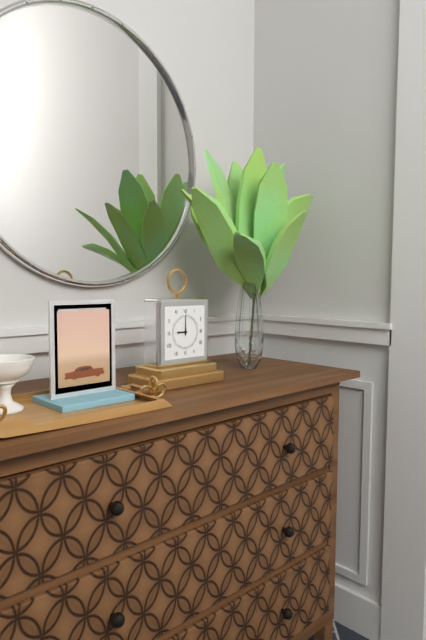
9:00
